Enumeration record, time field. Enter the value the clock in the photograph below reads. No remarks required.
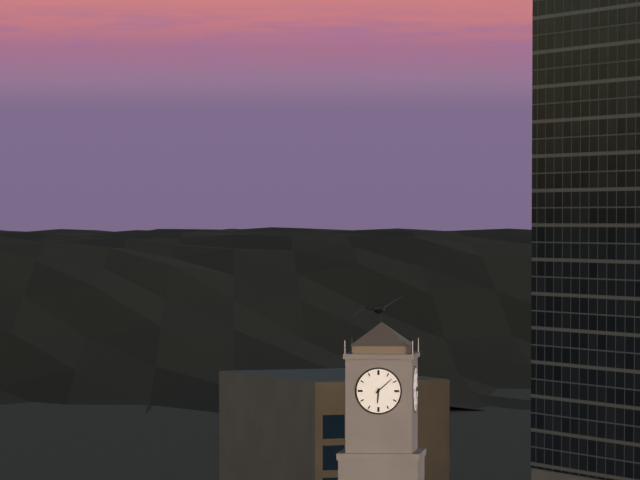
6:08
